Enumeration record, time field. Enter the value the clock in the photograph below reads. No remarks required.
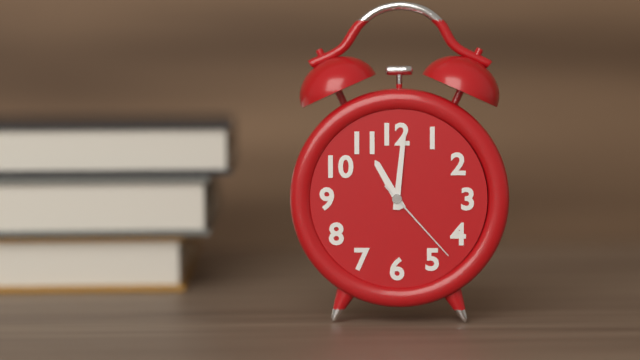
11:01:23
